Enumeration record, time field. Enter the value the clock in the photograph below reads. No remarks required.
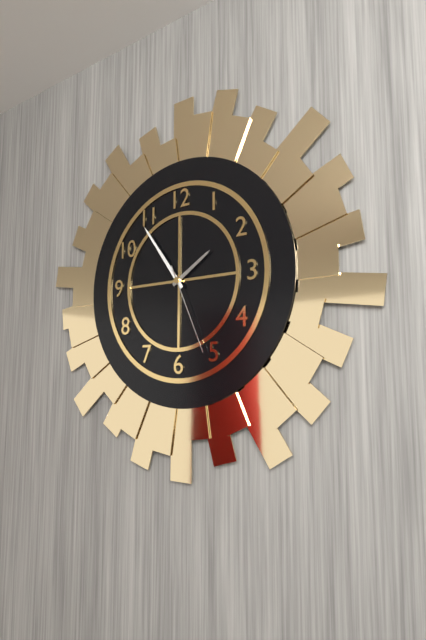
1:54:26
